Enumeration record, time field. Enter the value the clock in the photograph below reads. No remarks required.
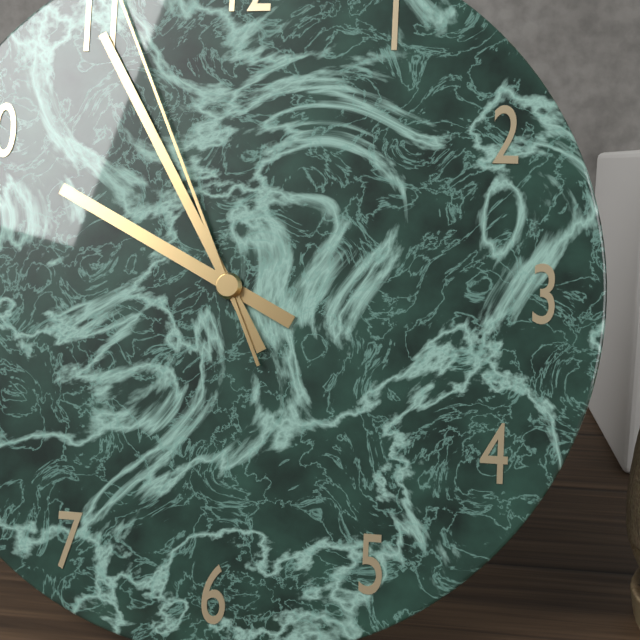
9:55
